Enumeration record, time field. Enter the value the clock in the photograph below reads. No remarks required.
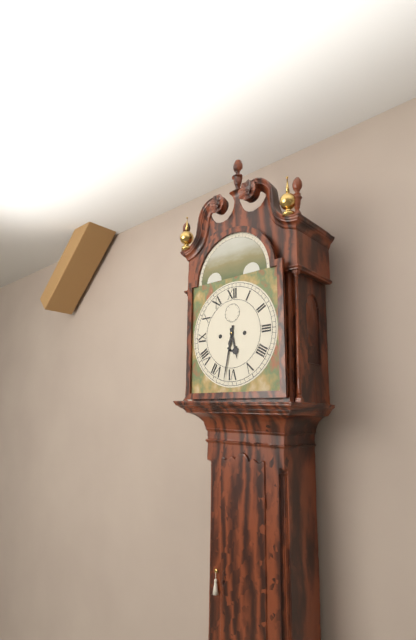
5:32
